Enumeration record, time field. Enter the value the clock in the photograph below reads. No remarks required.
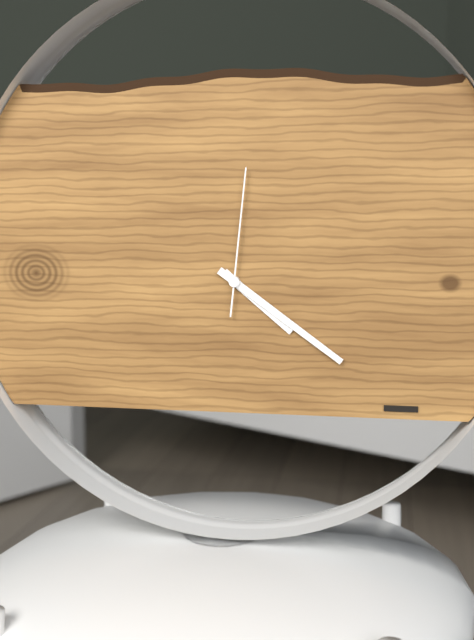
4:21:01
